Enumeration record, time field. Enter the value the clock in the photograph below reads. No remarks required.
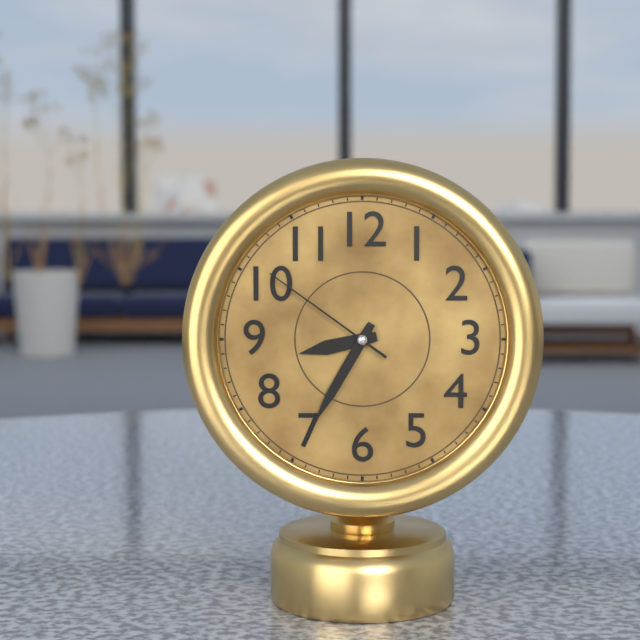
8:35:51
